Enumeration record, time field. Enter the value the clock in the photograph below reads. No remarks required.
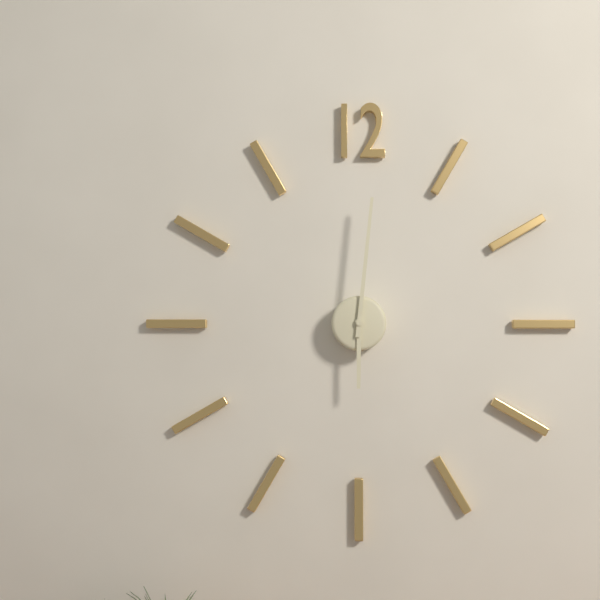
6:01
